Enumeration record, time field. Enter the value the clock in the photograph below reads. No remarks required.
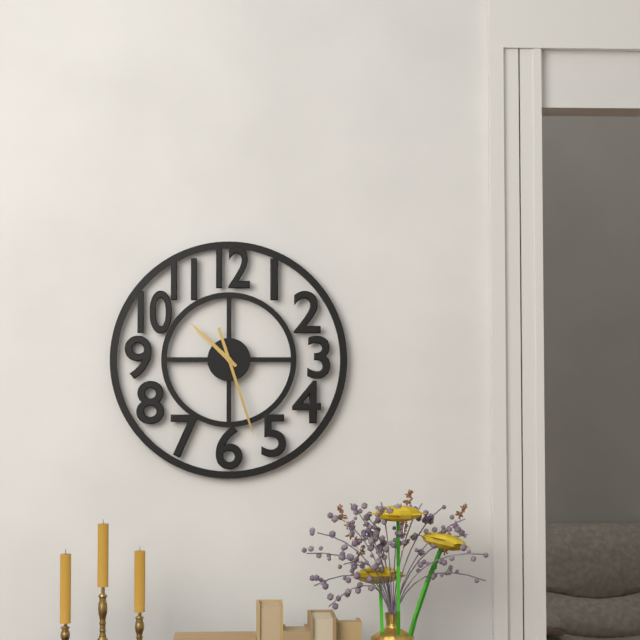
10:27
